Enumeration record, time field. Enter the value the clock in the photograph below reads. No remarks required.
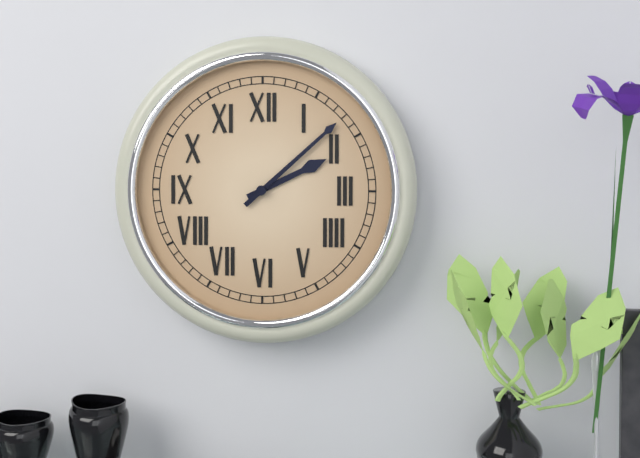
2:08
